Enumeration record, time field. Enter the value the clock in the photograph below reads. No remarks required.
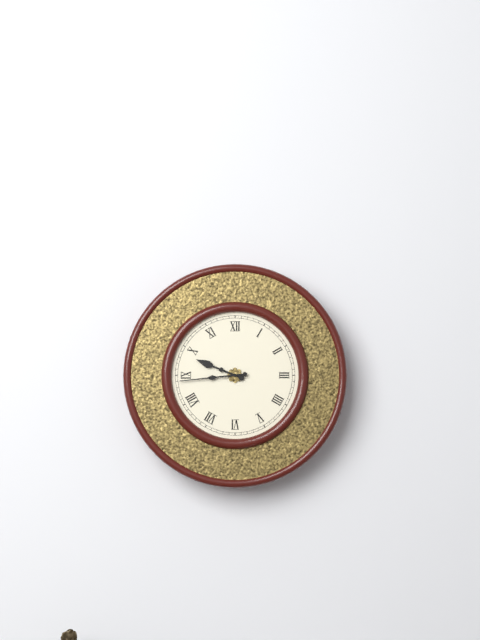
9:44
